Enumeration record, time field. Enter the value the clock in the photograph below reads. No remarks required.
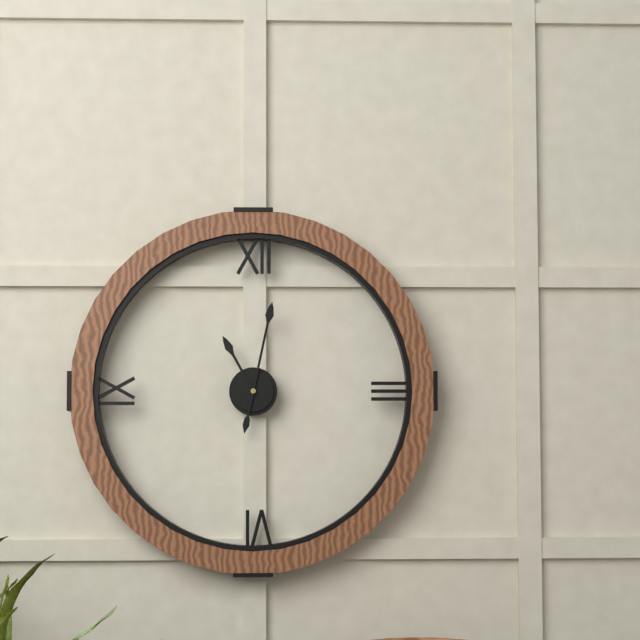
11:02
